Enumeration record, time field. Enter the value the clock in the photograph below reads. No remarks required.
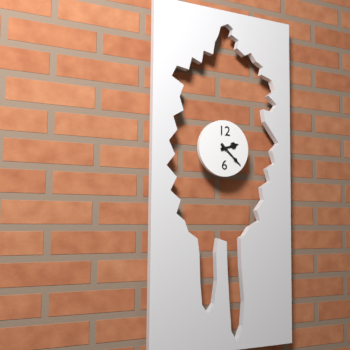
2:22
